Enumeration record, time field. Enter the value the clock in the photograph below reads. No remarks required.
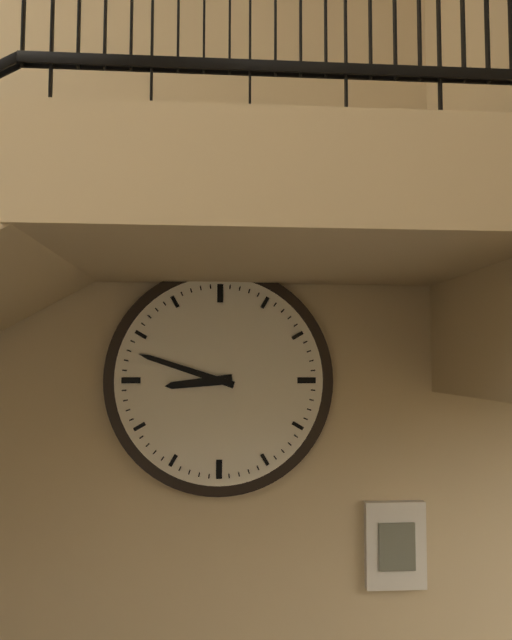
8:48
